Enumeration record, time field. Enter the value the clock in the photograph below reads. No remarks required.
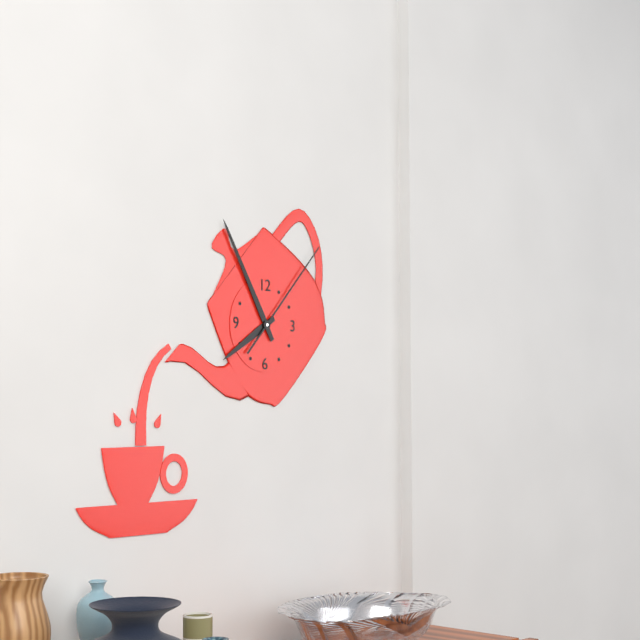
7:55:07
